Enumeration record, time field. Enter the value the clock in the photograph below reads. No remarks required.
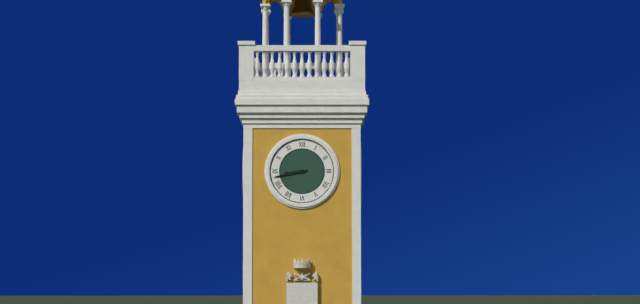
8:43
